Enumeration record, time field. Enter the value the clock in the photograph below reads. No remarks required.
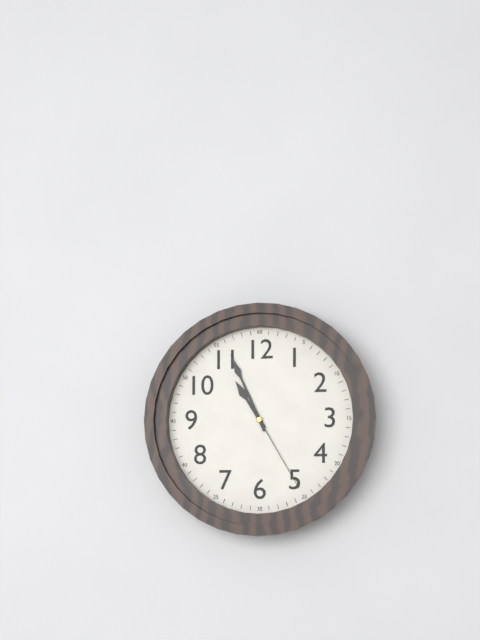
10:56:25
